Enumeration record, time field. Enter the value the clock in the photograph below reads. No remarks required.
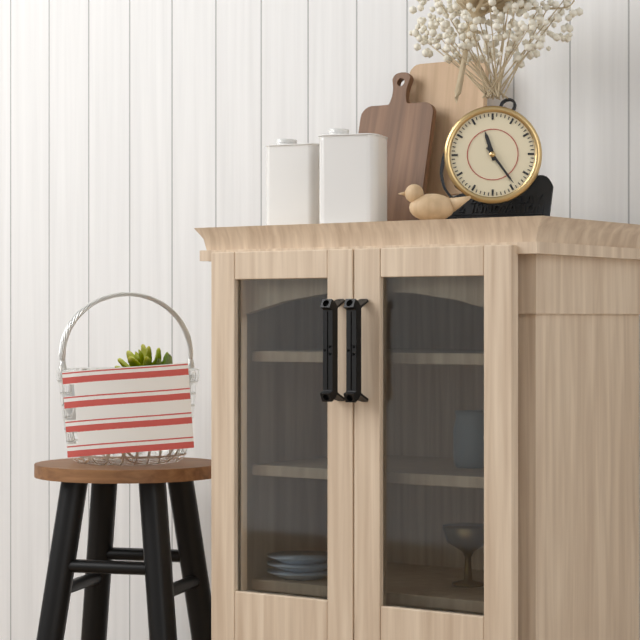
11:24
